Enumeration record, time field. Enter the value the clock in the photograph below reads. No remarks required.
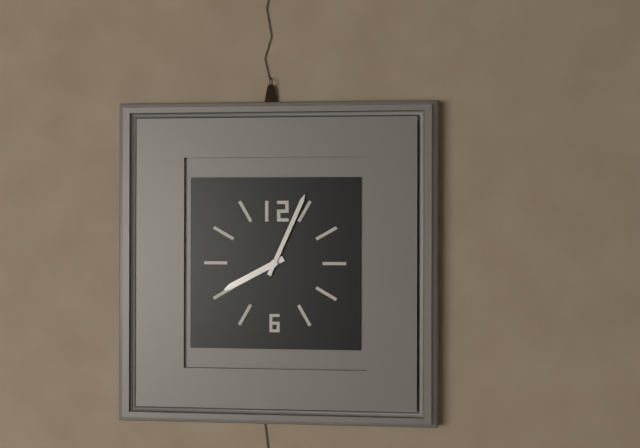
8:04
